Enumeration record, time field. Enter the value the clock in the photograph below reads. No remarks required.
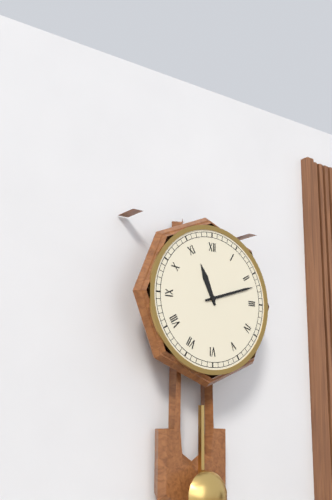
11:12
